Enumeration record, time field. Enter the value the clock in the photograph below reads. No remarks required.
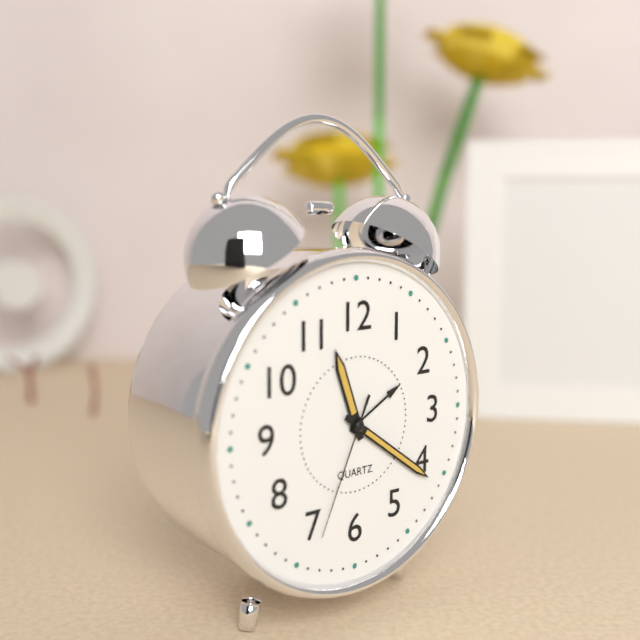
11:21:34
